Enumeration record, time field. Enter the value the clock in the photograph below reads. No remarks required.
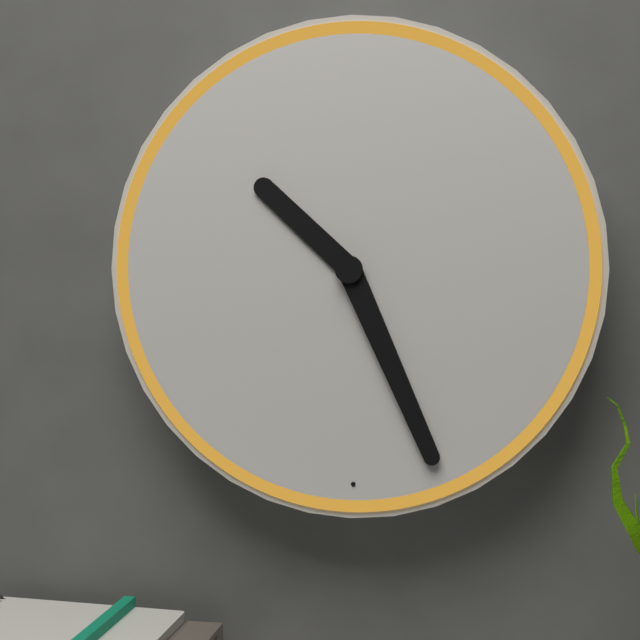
10:26
